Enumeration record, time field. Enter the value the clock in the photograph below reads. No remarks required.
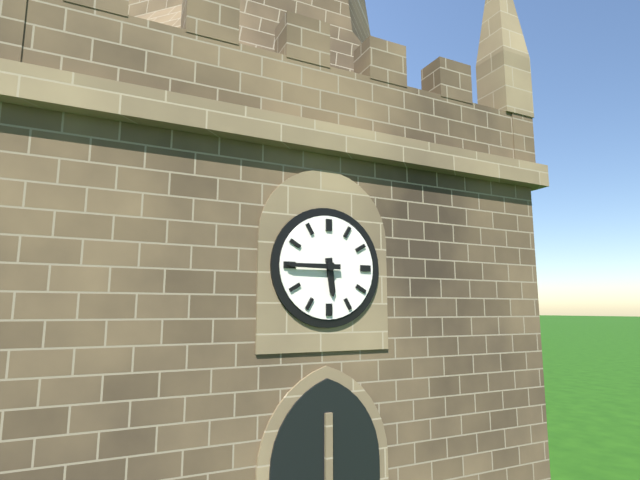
5:45
